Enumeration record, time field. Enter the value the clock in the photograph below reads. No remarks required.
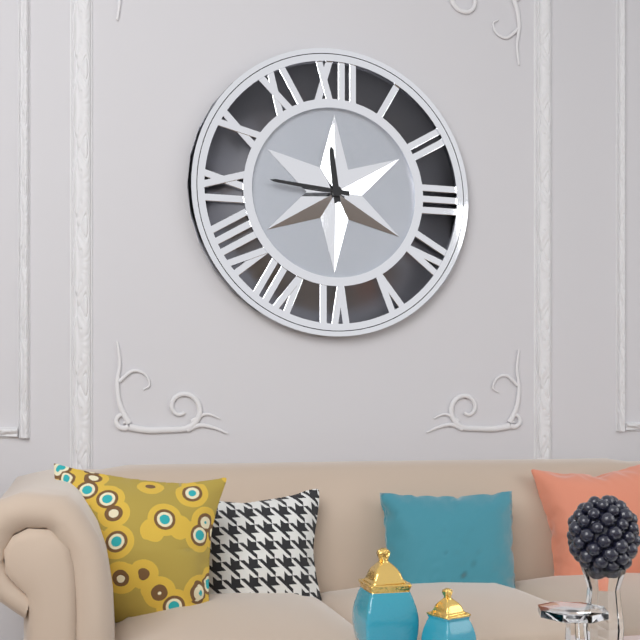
11:46
